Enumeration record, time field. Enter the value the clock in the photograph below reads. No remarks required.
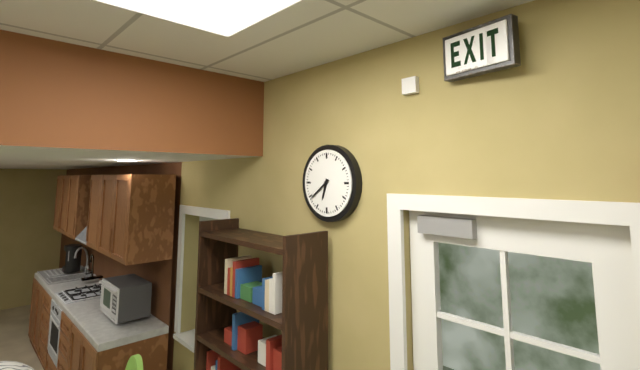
6:39
